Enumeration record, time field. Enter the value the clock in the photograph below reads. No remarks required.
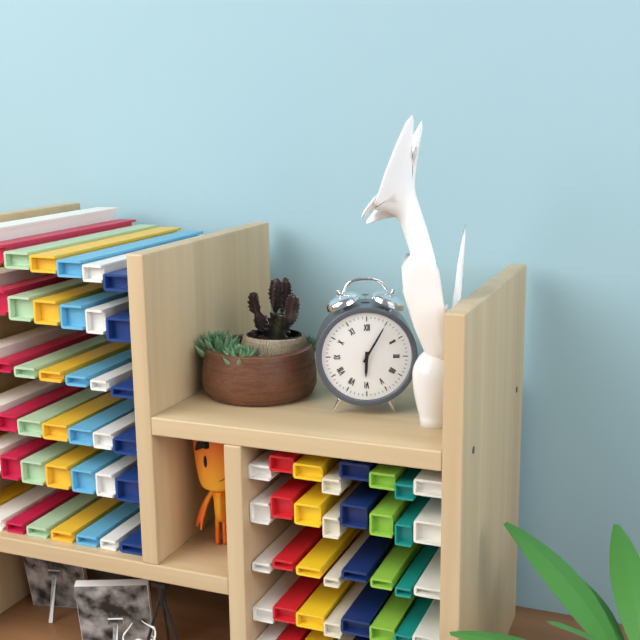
6:05
